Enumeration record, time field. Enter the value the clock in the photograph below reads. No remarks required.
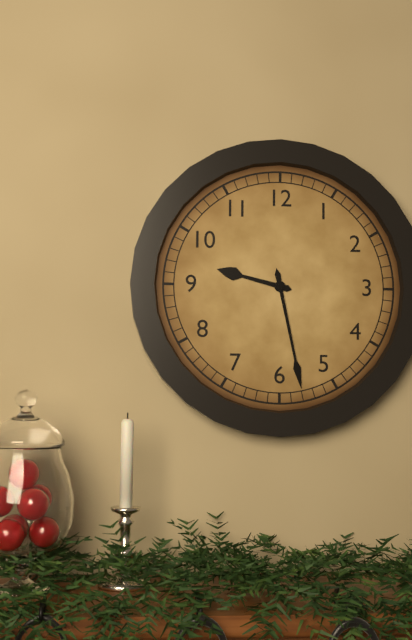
9:28
